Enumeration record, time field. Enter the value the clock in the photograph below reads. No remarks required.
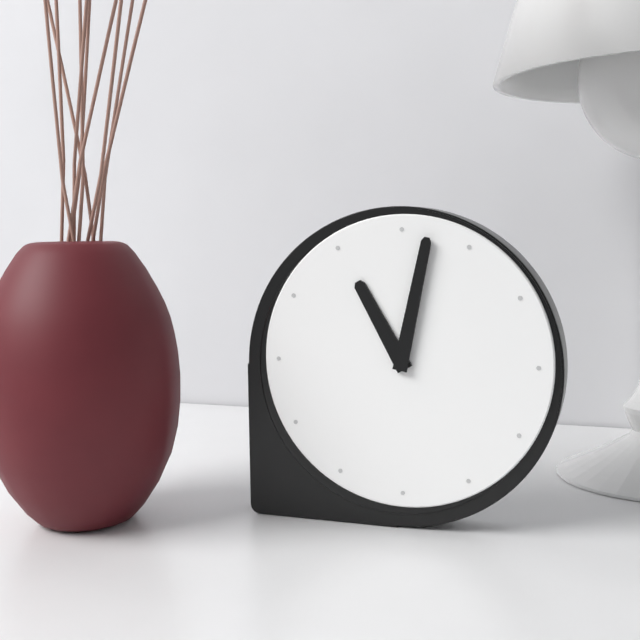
11:02
